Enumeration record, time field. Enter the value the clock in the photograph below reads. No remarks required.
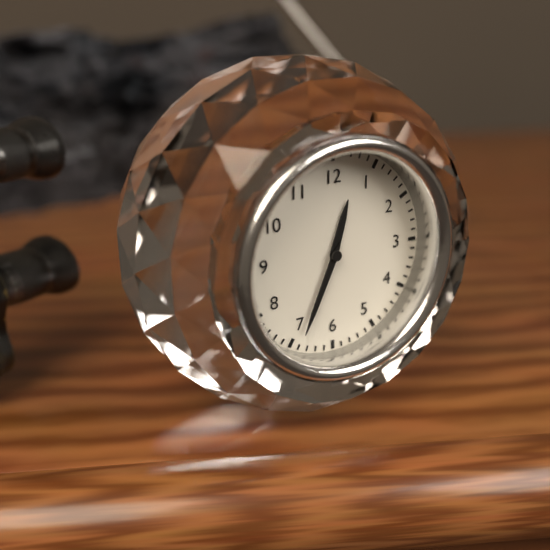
12:34
